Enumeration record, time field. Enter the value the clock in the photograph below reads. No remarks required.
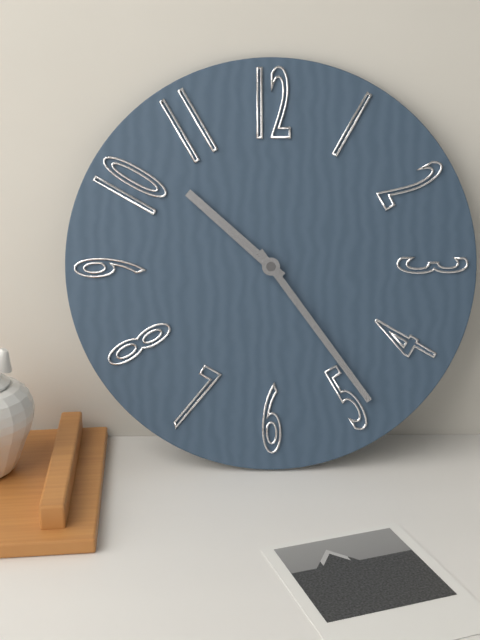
10:24
